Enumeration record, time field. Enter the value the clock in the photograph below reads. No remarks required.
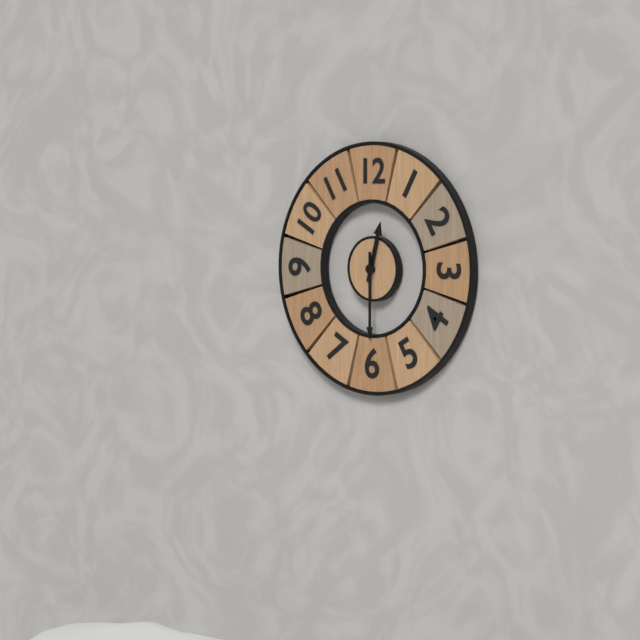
12:30
